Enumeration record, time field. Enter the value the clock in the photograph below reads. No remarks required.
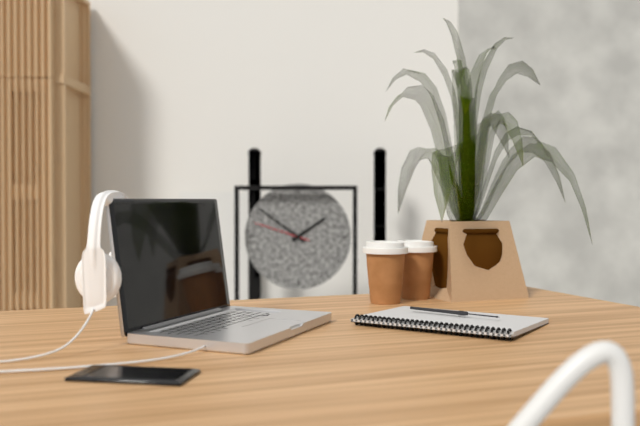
1:51:48
